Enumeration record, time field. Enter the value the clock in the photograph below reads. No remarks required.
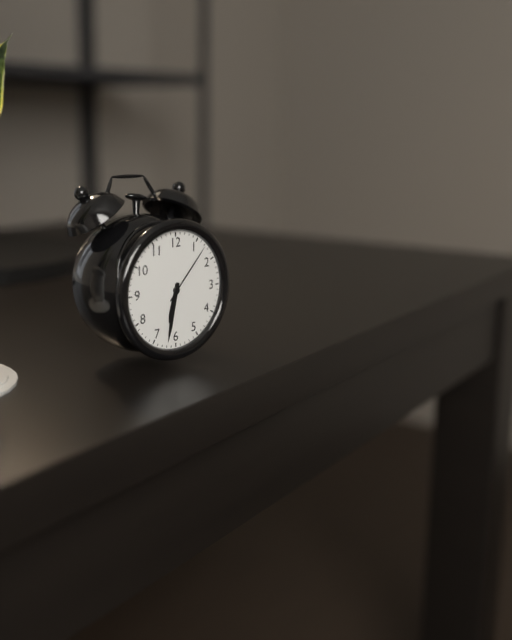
6:32:07
